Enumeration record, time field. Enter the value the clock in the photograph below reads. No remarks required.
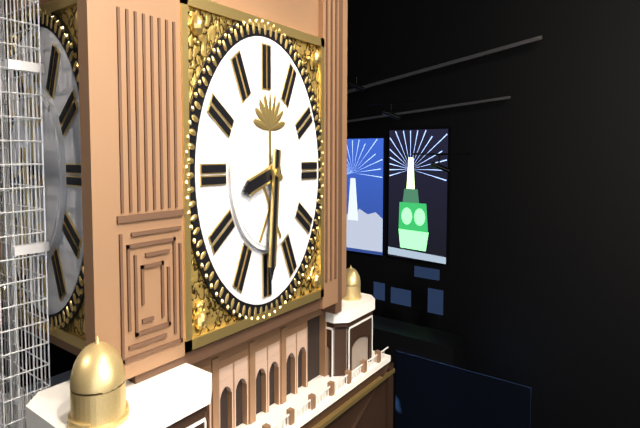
8:31
